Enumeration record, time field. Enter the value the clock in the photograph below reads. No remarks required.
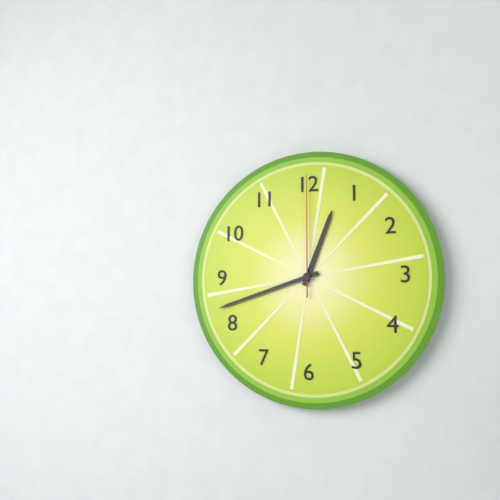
12:42:00
